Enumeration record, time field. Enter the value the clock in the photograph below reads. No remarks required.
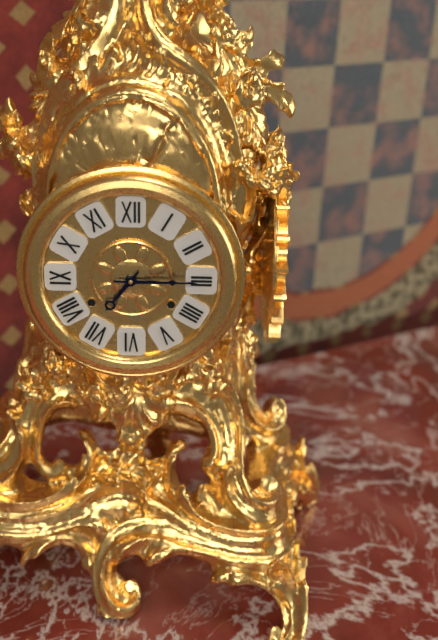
7:15
